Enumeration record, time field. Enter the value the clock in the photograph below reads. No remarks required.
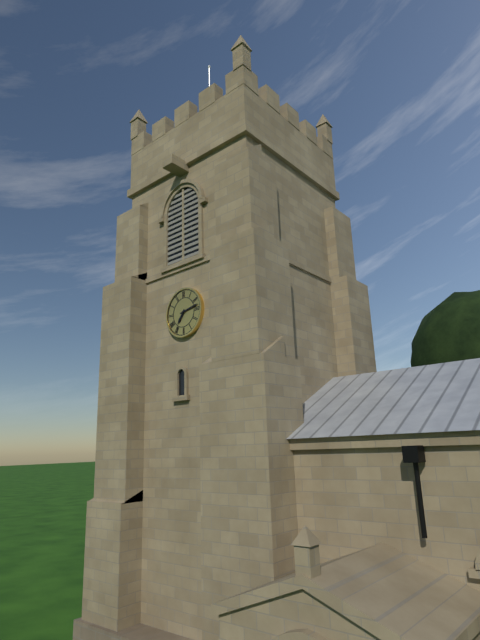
7:13
